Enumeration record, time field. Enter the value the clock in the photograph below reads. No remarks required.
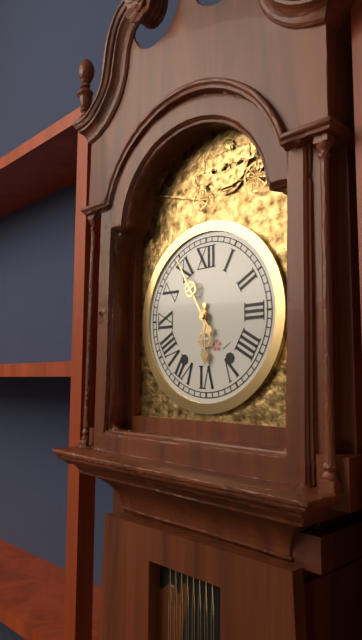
5:55
